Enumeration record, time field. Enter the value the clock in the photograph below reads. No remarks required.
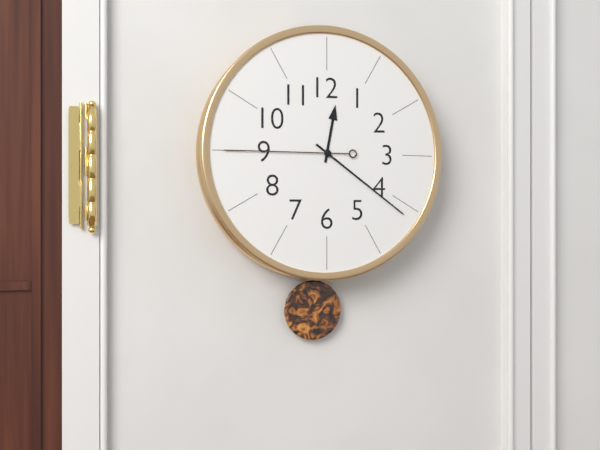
12:21:45
